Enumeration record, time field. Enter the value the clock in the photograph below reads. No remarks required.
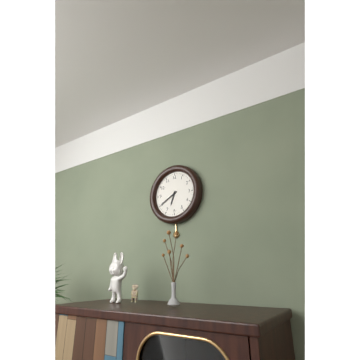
6:40
